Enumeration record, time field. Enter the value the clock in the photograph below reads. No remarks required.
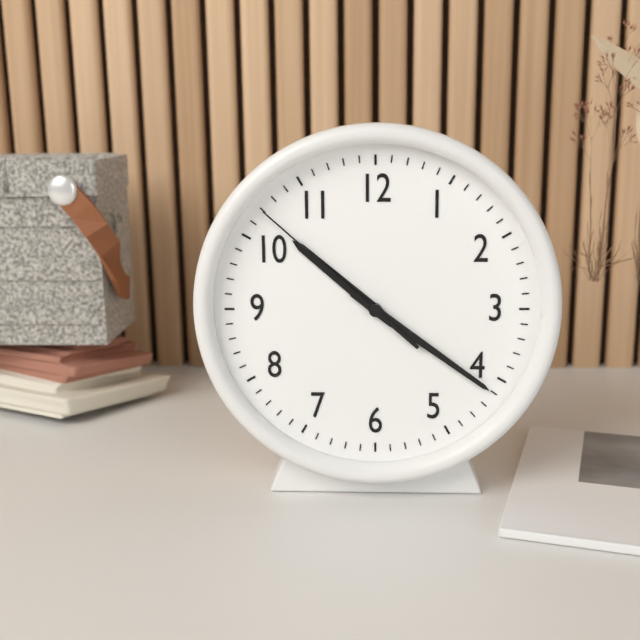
10:21:52
